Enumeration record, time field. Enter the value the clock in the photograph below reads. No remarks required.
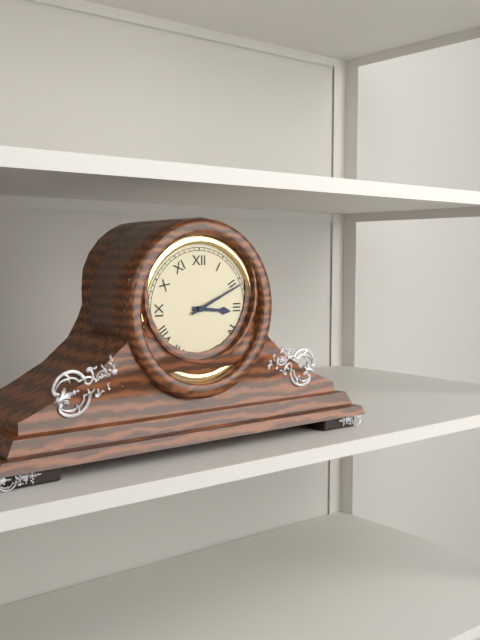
3:11
